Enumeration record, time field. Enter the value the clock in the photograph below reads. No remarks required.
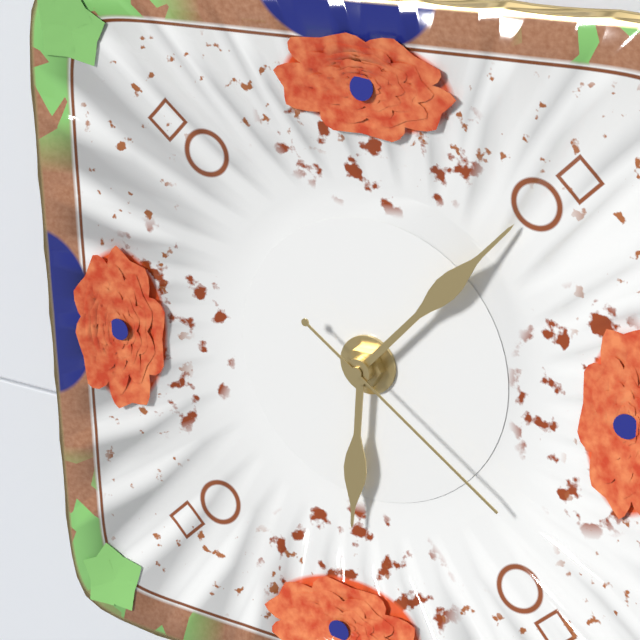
6:07:21
